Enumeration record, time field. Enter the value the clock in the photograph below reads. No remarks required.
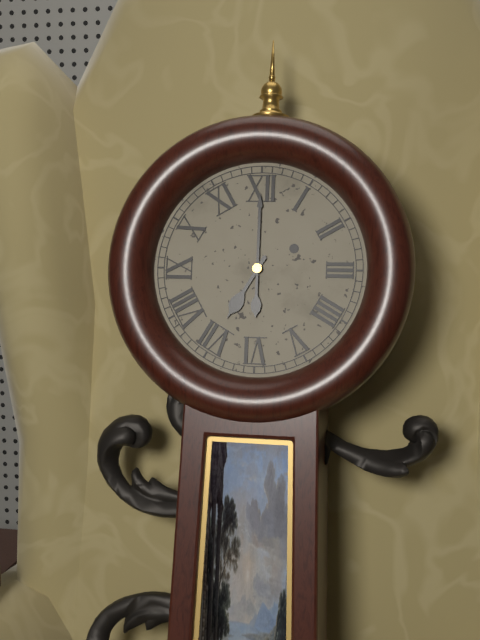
7:00
